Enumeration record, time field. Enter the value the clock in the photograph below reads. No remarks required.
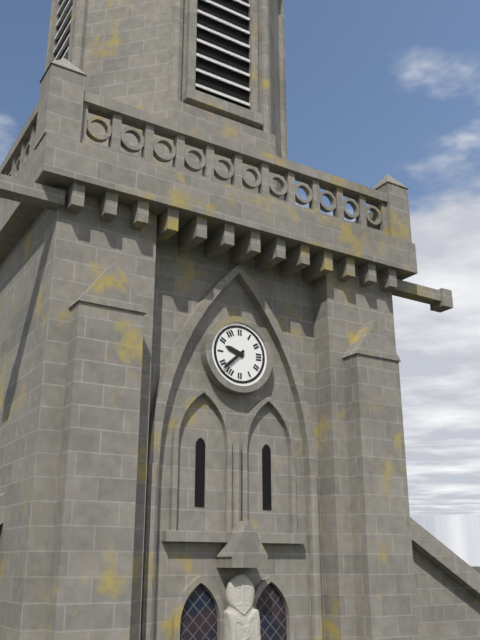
9:38
